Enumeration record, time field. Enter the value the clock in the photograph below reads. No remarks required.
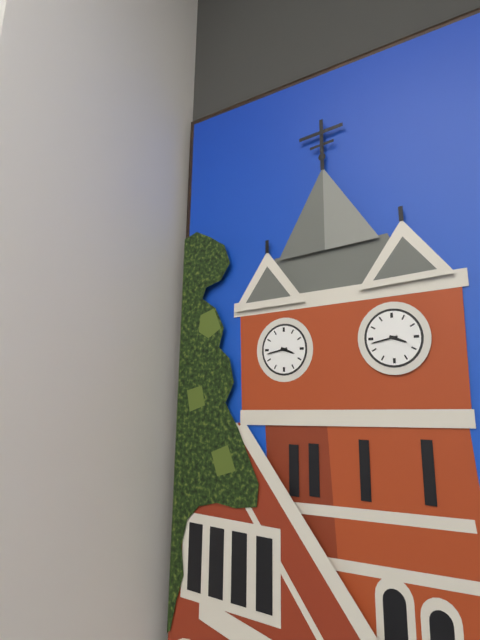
3:43
